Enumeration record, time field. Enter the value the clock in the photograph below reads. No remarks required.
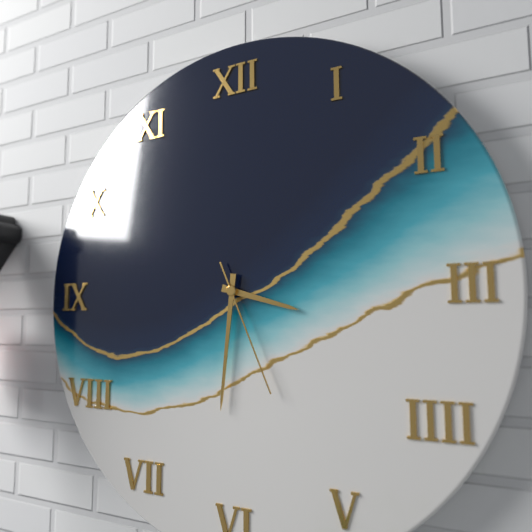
3:31:26
